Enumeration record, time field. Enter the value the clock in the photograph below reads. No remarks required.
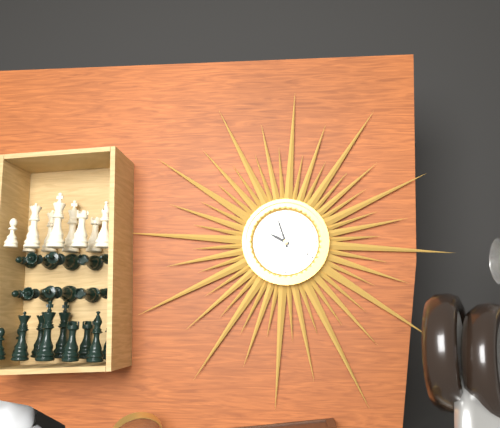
9:57
